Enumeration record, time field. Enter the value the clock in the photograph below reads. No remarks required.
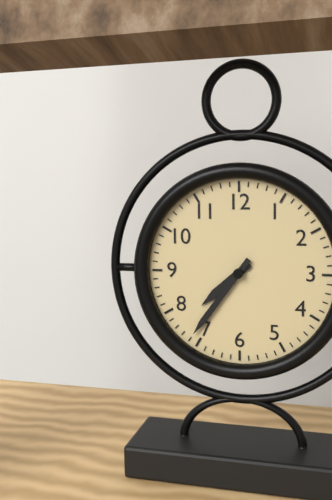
7:36
